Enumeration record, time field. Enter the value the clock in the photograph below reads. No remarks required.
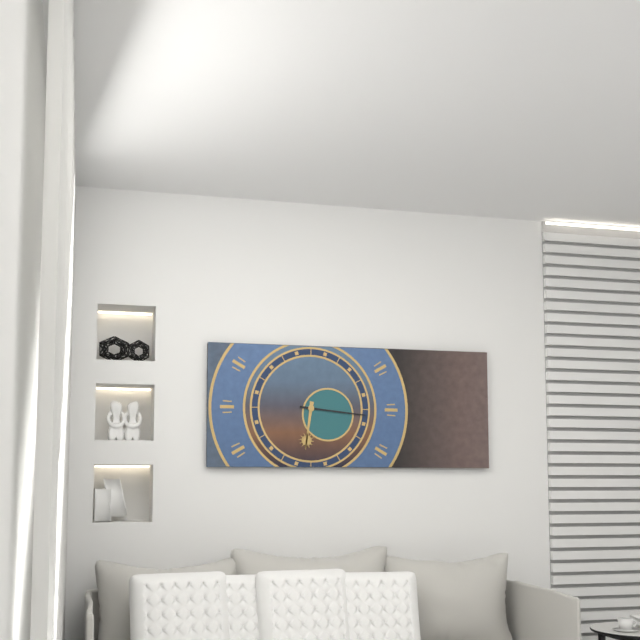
6:16
